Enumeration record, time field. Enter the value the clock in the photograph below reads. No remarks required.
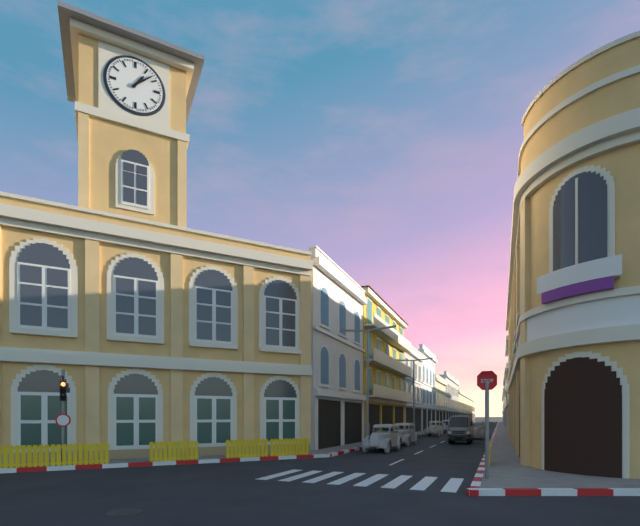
1:08
